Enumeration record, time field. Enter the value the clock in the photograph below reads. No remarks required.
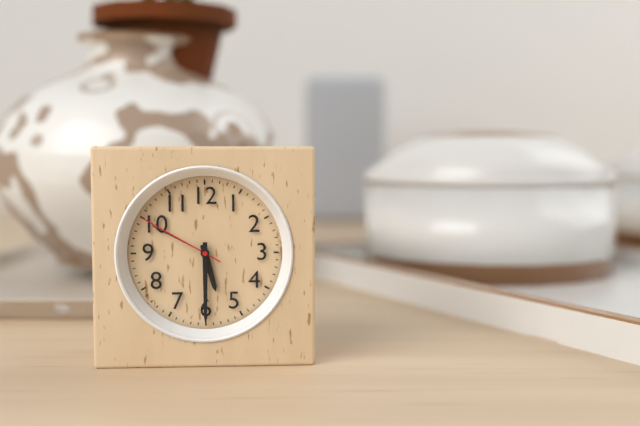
5:30:50
